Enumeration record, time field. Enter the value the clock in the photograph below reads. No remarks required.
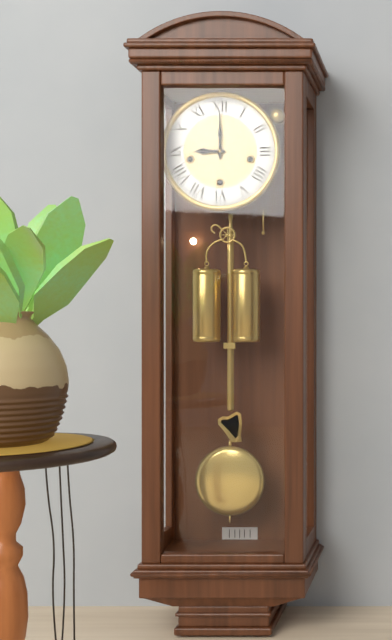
9:00
